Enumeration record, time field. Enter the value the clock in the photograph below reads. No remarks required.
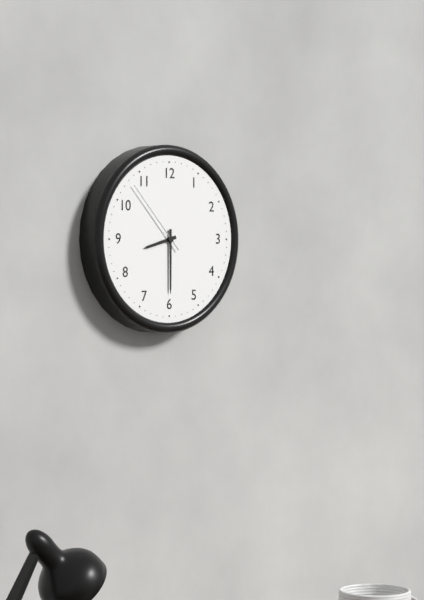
8:30:53
